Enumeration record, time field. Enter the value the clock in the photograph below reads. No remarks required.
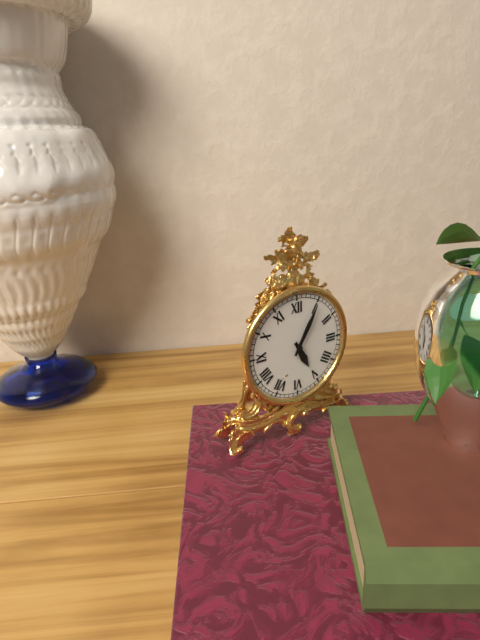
5:05
